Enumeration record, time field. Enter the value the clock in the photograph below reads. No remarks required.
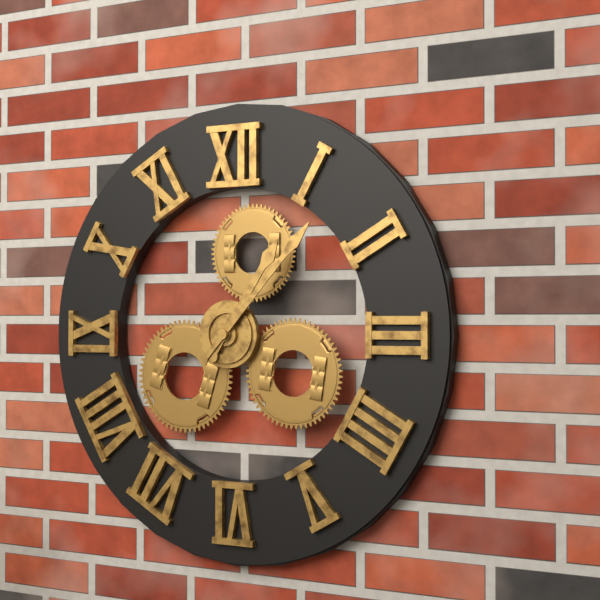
1:07
